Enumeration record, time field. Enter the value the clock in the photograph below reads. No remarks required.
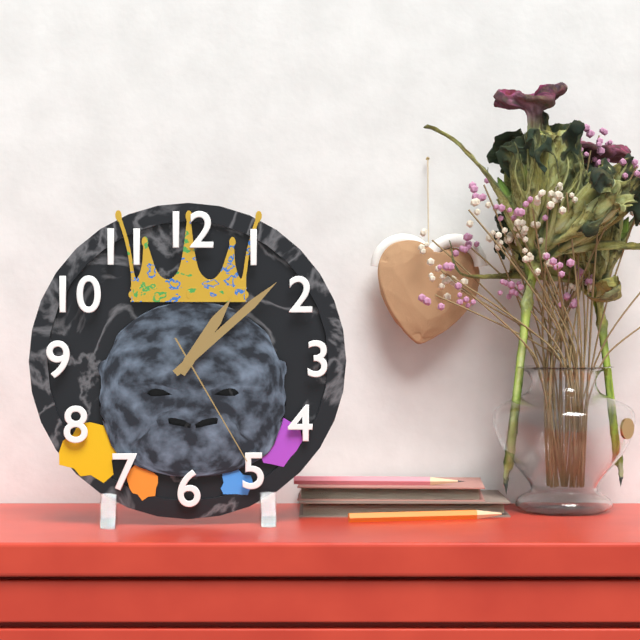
1:08:25
